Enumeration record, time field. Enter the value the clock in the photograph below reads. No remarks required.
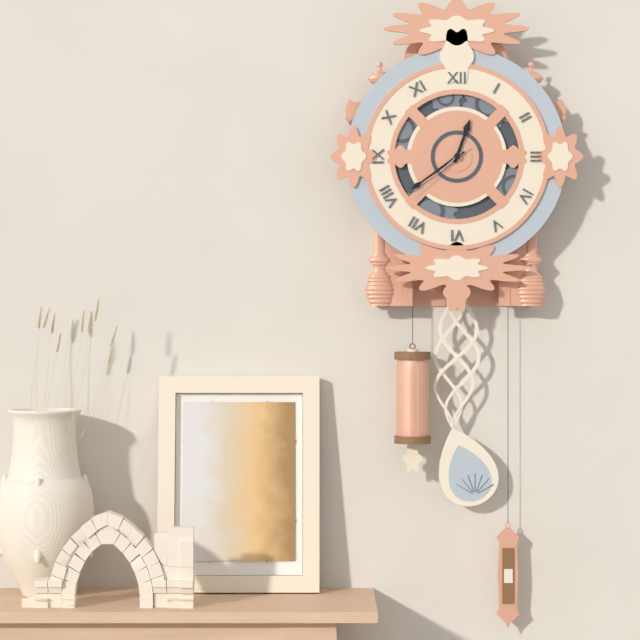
12:39:38
